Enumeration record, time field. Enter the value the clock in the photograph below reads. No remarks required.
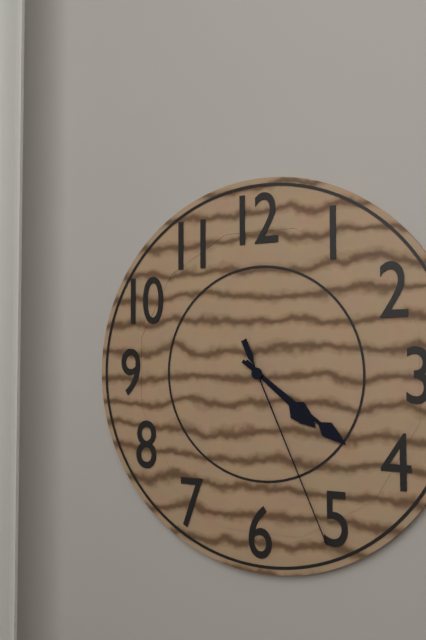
4:21:26
